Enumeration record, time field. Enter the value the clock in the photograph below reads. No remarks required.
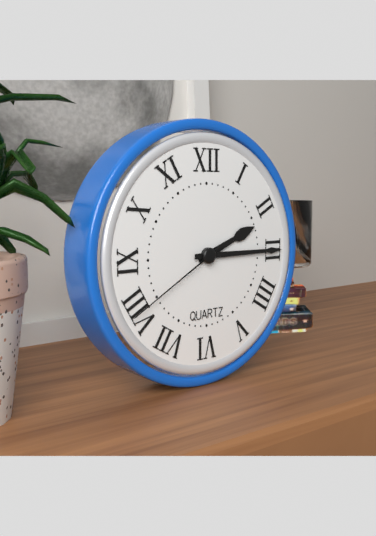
2:15:40
